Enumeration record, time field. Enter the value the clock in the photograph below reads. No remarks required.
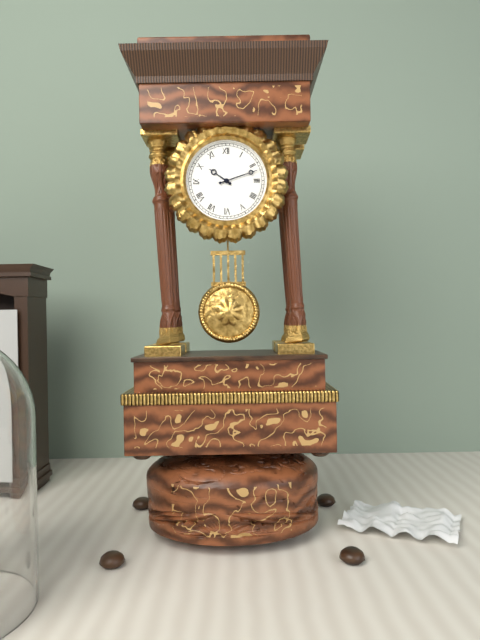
10:12
